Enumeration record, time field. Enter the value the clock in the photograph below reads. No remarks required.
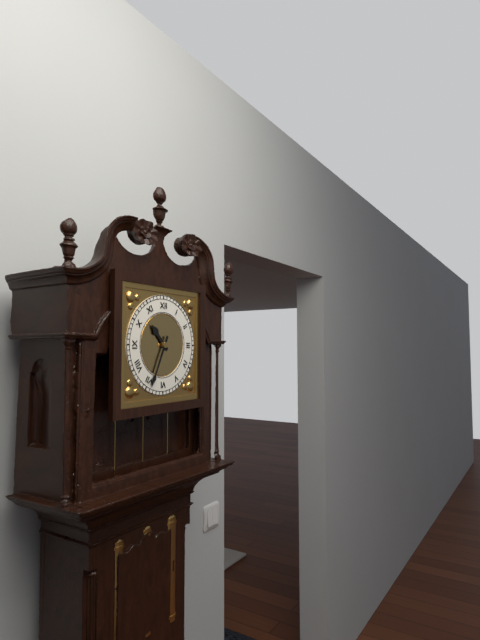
10:34
